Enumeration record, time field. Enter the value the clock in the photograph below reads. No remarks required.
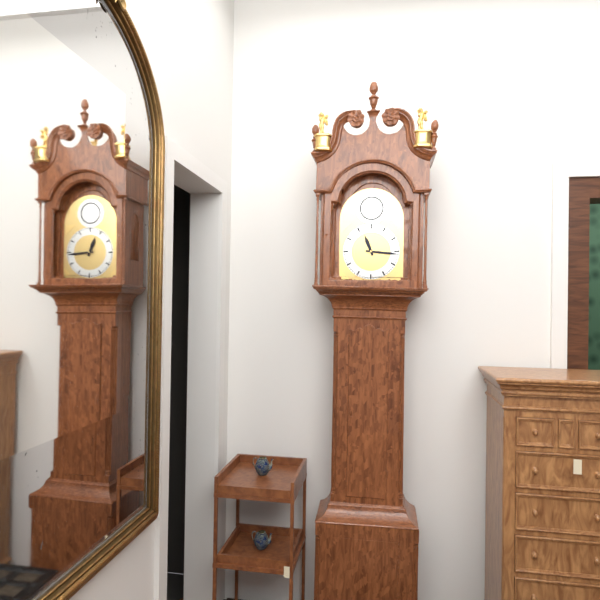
11:16
